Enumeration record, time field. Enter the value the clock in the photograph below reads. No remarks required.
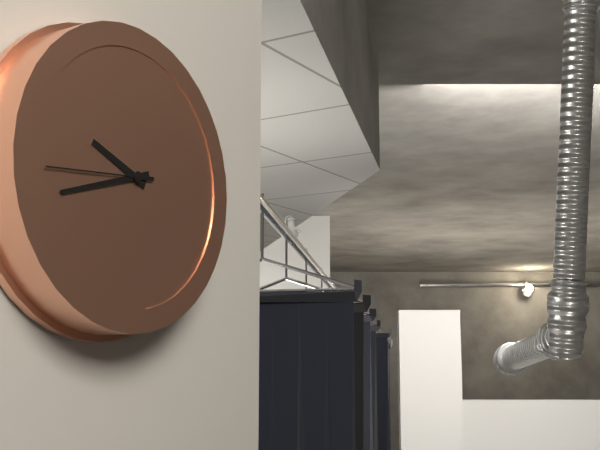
9:42:44
